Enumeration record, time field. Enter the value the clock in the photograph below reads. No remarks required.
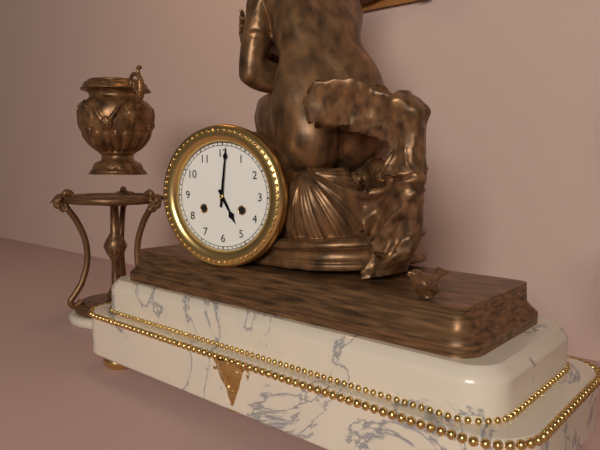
5:01
